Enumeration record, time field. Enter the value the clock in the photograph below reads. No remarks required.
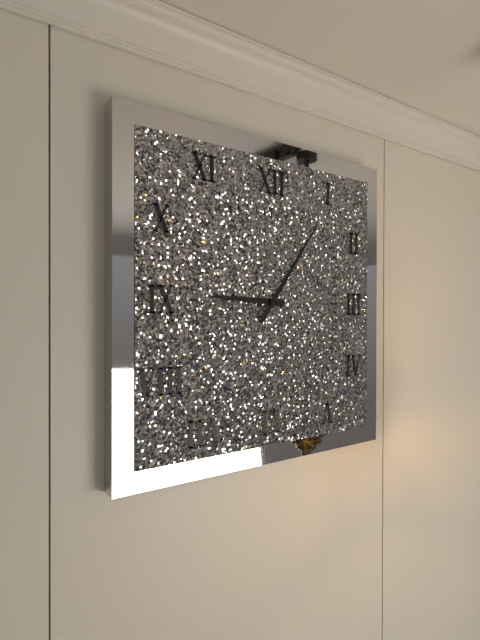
9:06
